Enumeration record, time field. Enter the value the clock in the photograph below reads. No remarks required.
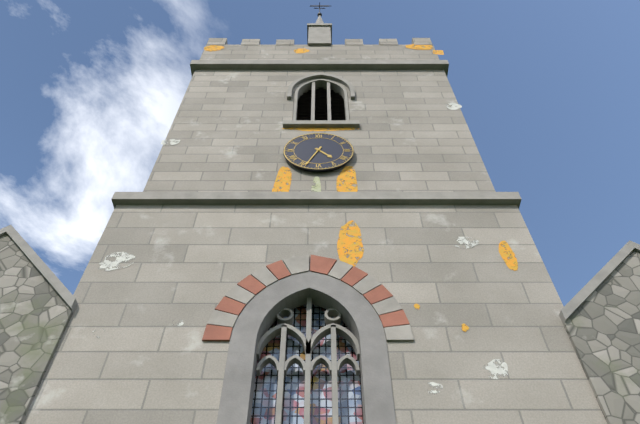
4:34
